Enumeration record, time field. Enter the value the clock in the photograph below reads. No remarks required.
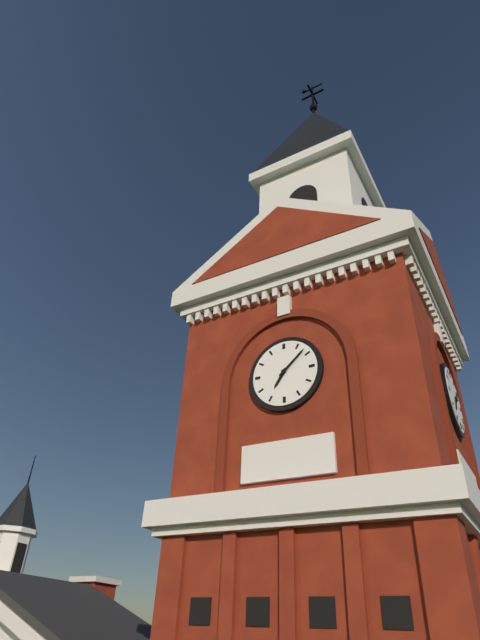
7:08
